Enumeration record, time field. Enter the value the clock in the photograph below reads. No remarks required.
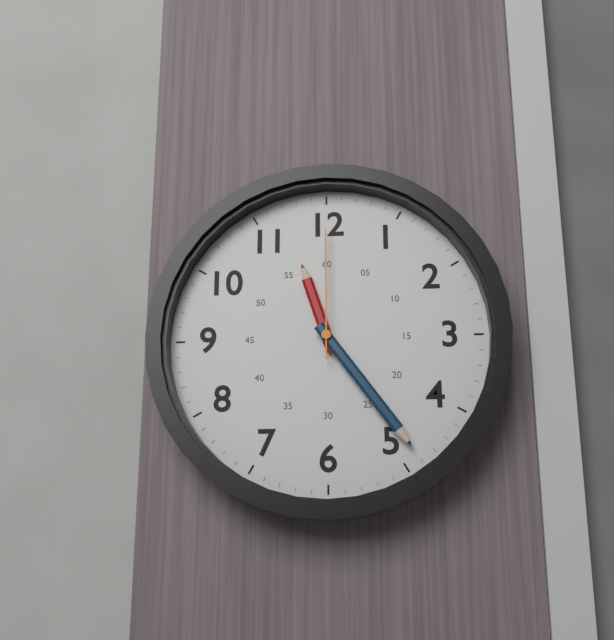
11:24:00
